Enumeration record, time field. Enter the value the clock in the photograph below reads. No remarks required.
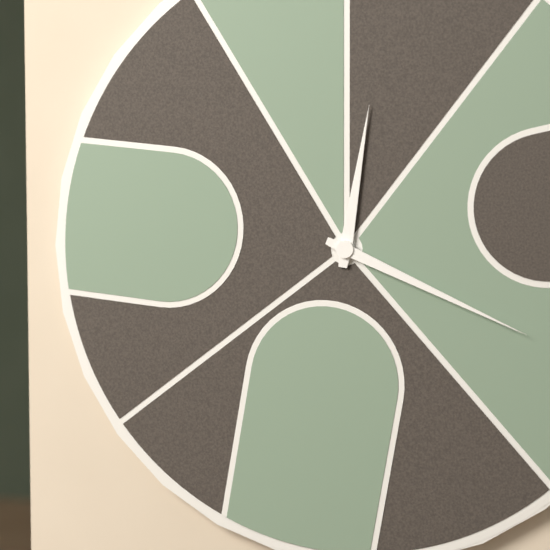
12:19
